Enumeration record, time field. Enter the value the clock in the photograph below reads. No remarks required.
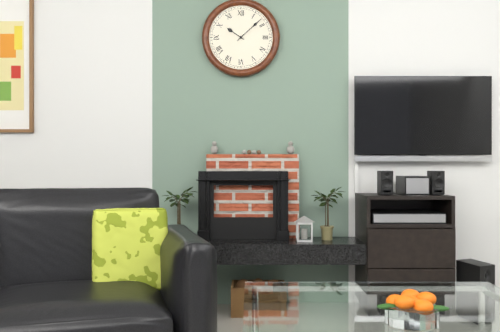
10:08
